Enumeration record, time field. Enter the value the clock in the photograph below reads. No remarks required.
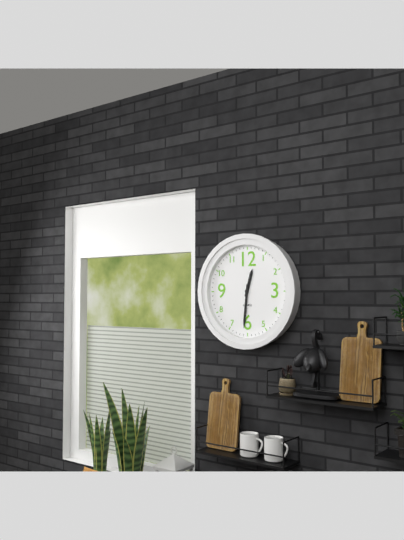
12:31
